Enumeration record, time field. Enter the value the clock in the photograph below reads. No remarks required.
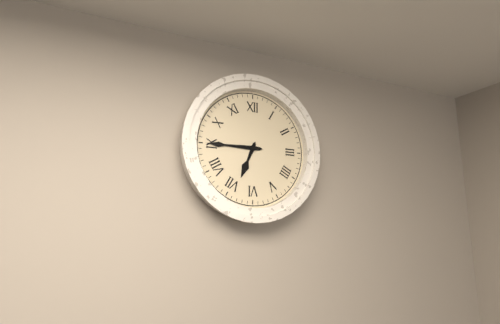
6:45
